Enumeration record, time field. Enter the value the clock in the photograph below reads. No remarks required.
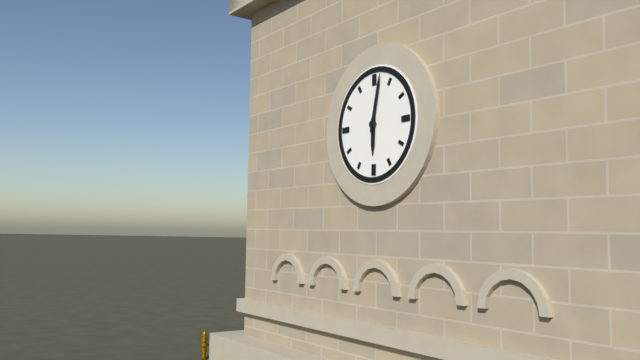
6:02
